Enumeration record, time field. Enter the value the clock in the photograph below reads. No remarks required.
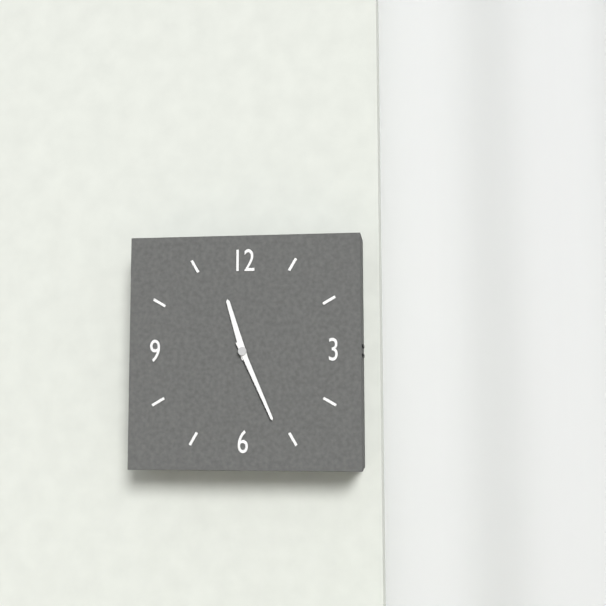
11:26
